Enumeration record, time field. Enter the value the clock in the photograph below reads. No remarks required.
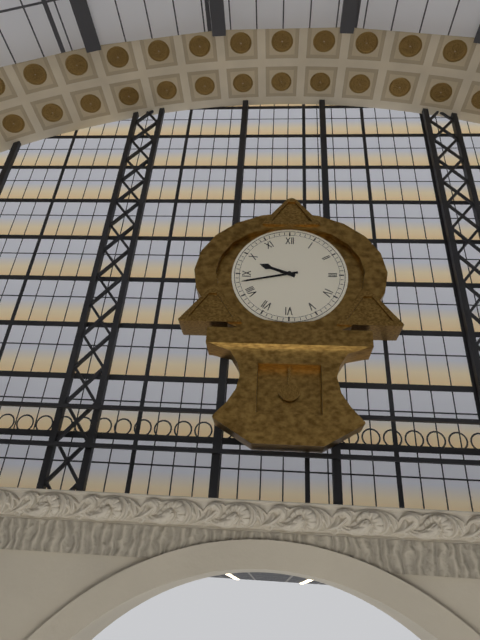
9:43
